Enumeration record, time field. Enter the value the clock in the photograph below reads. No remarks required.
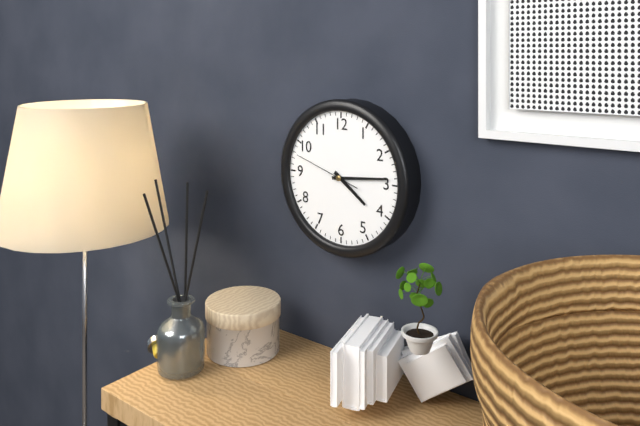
4:14:48
